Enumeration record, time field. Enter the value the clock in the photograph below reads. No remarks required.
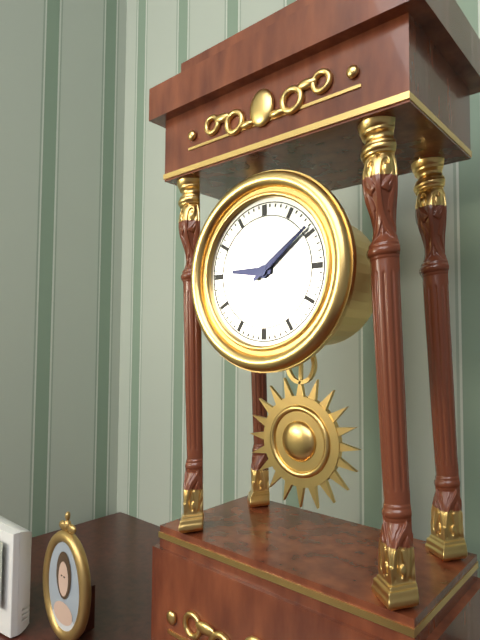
9:09
